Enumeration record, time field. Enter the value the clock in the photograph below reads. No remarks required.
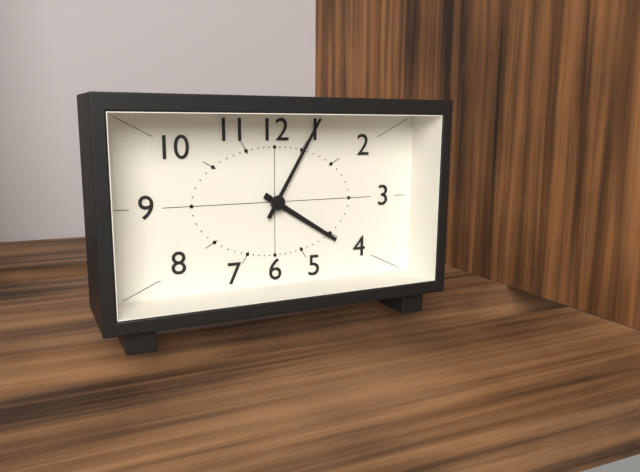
4:05
